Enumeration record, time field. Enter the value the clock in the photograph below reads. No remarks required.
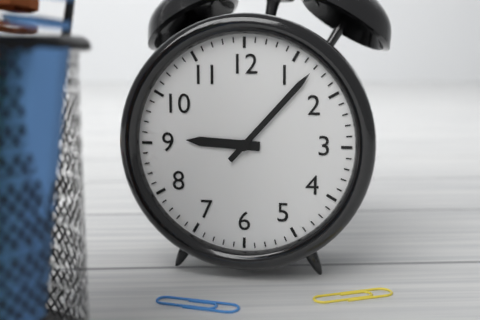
9:07
